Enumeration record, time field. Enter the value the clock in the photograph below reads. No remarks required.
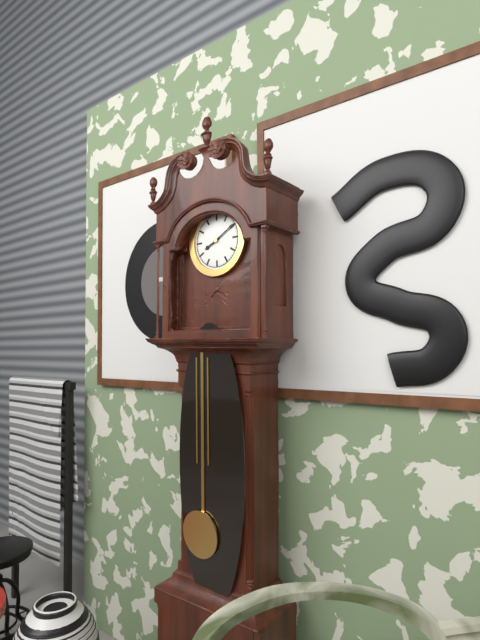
8:10
